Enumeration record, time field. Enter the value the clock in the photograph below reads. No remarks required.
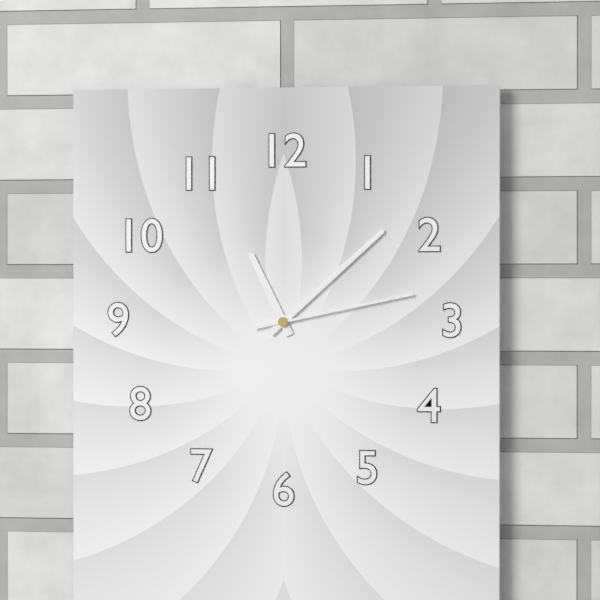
11:08:13
